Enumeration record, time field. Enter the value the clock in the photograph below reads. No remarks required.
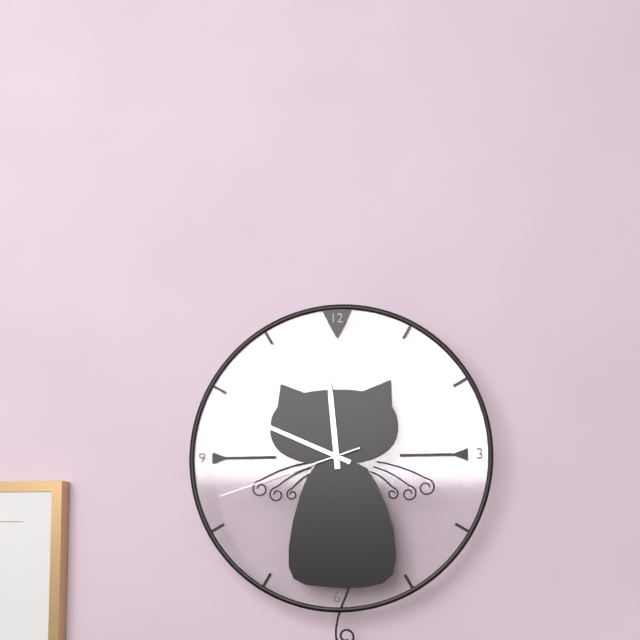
11:49:42
